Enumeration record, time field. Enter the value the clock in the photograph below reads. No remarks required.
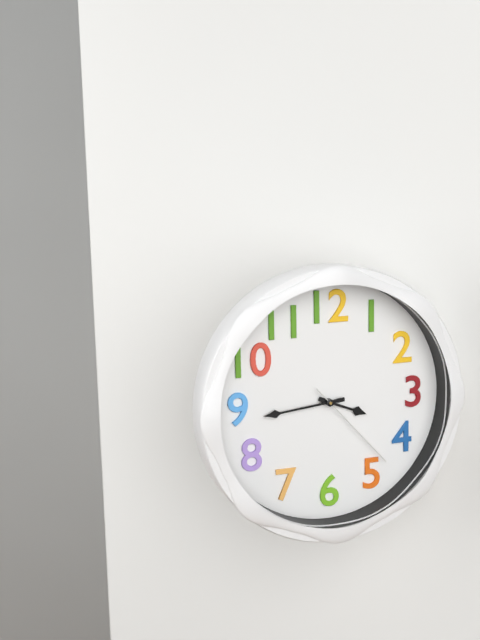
3:44:23
